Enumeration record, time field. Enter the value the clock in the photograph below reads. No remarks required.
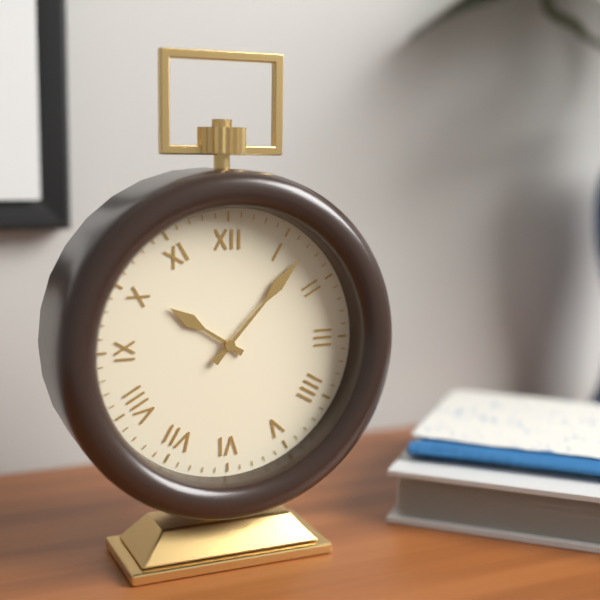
10:07
